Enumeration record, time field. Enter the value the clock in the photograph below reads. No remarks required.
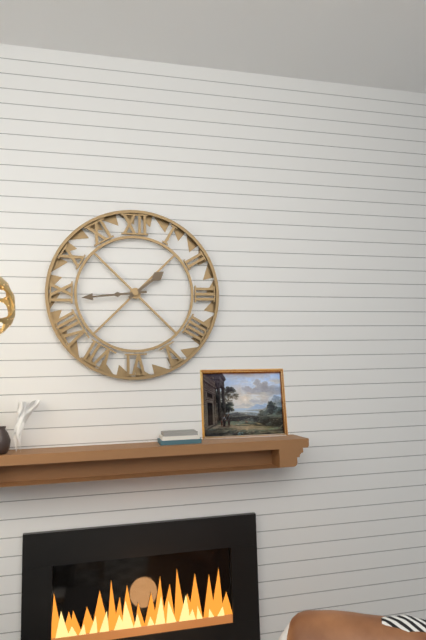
1:44
